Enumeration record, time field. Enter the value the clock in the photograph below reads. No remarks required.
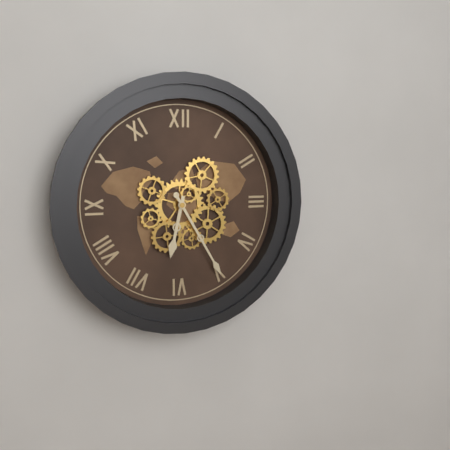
6:25
